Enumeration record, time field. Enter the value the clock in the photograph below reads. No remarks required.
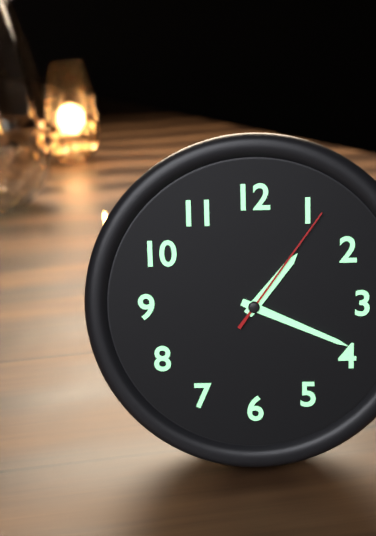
1:19:06
